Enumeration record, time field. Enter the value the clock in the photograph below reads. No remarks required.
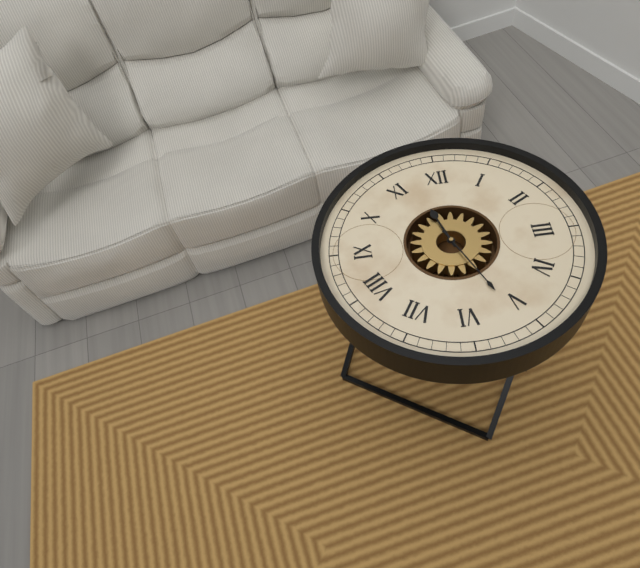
11:26
